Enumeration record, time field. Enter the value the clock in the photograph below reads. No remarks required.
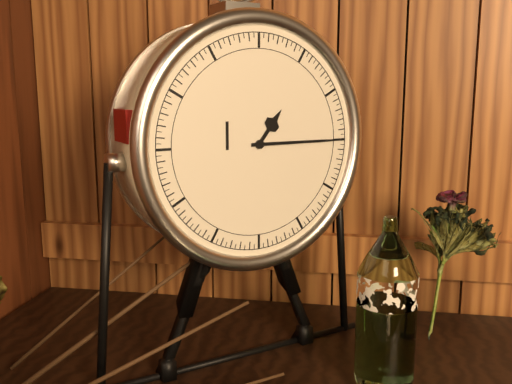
1:15
